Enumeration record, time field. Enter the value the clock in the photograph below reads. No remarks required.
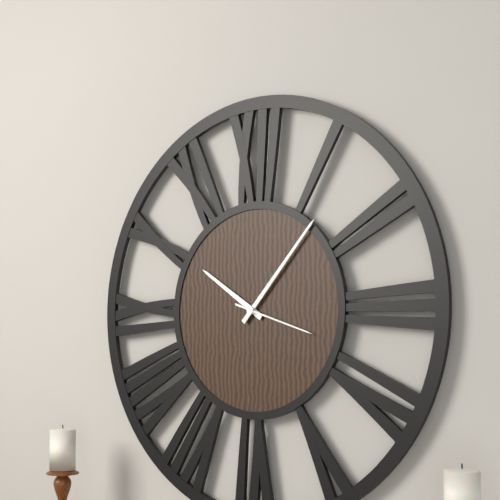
10:07:18
